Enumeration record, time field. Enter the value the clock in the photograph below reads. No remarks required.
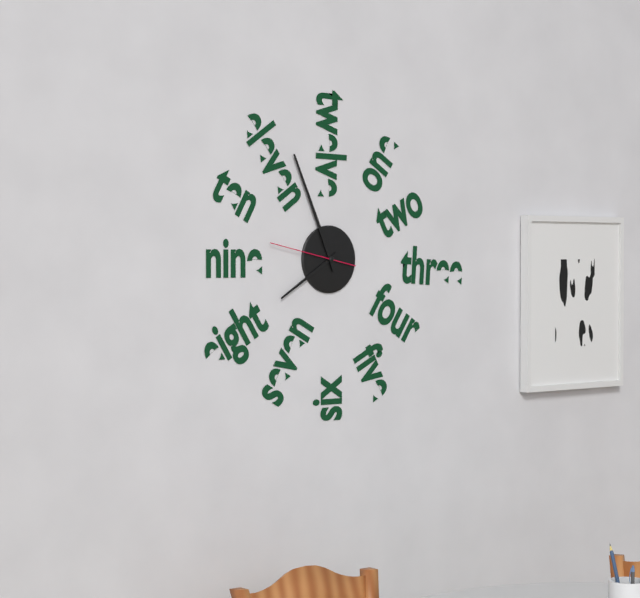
7:56:47
